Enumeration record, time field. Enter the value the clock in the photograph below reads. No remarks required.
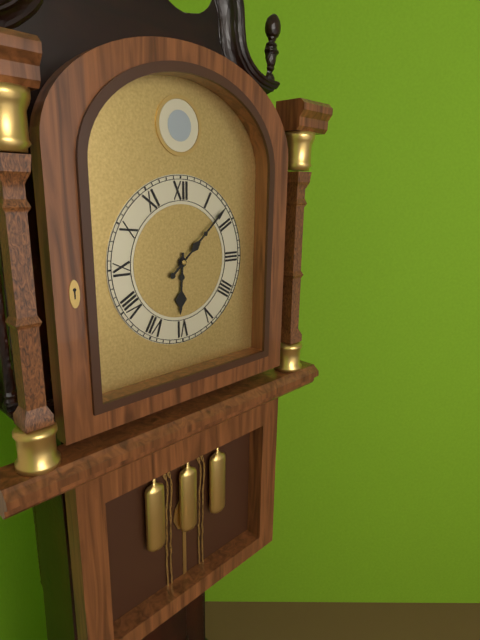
6:08
